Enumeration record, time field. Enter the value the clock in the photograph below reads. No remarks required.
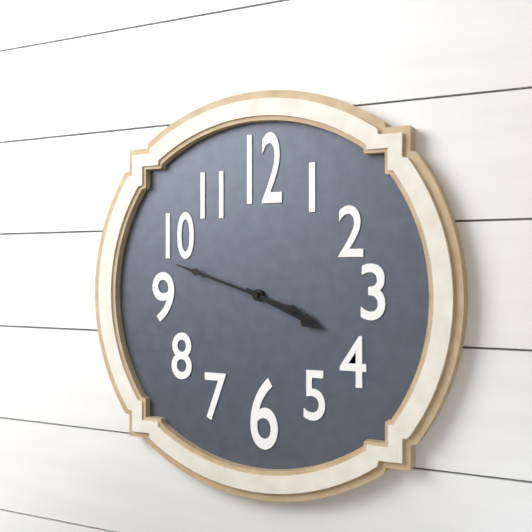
3:48
